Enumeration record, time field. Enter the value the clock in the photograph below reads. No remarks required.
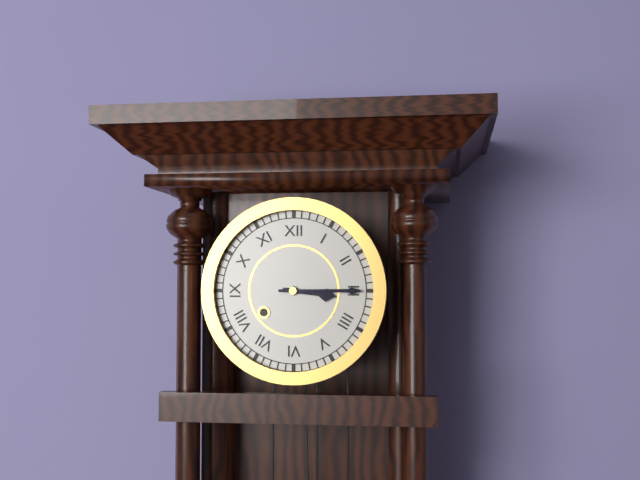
3:15
